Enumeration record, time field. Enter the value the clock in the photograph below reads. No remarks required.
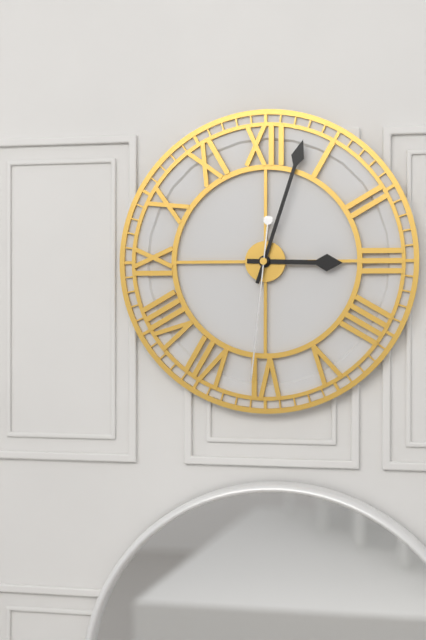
3:03:31
